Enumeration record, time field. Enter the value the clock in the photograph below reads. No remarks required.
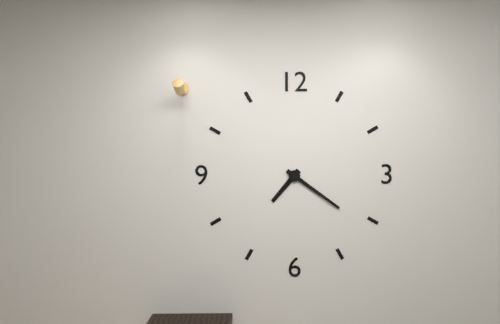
7:21
